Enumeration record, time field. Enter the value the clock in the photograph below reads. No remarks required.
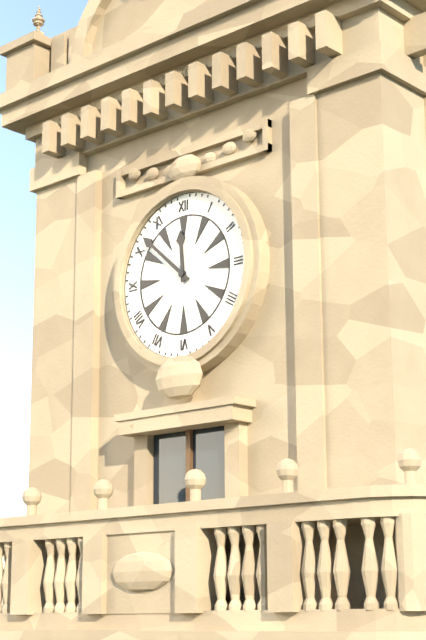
11:52
